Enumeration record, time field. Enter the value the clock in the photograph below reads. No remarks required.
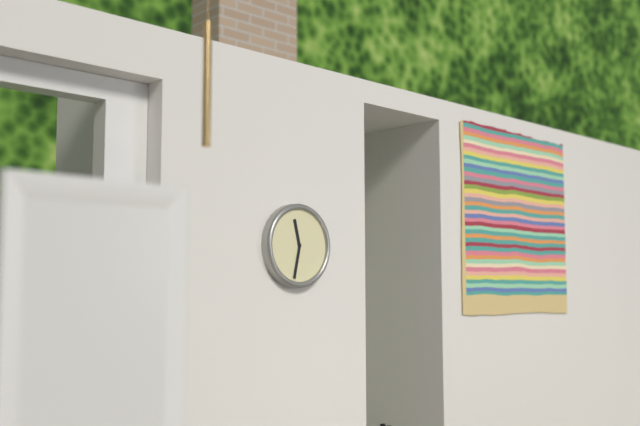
11:32
